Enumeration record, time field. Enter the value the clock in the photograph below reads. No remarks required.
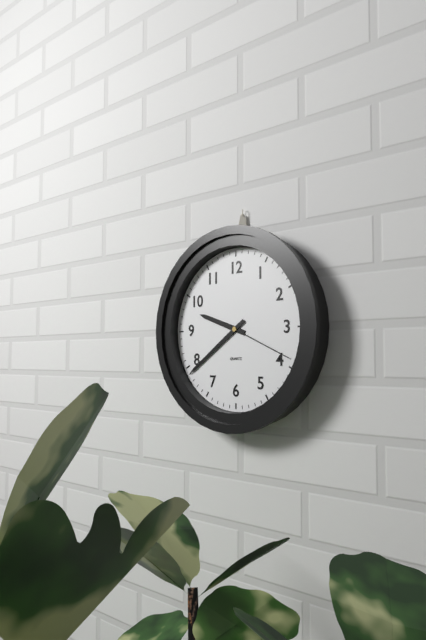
9:39:19
